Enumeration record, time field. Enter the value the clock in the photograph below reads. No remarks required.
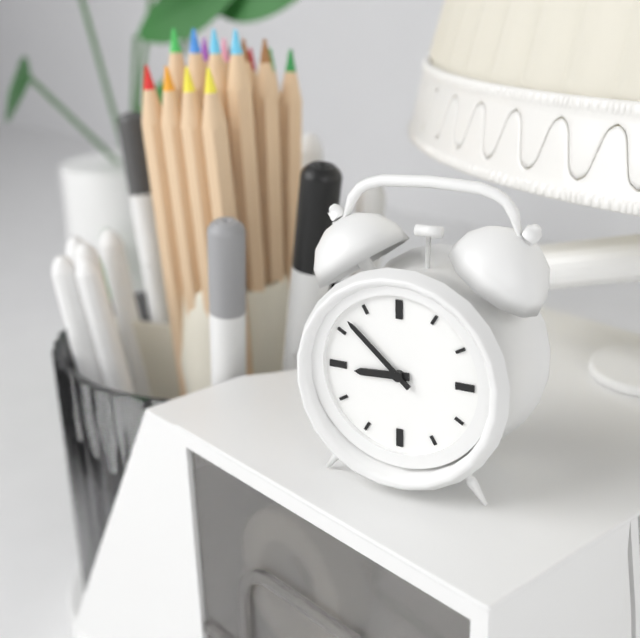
8:52
